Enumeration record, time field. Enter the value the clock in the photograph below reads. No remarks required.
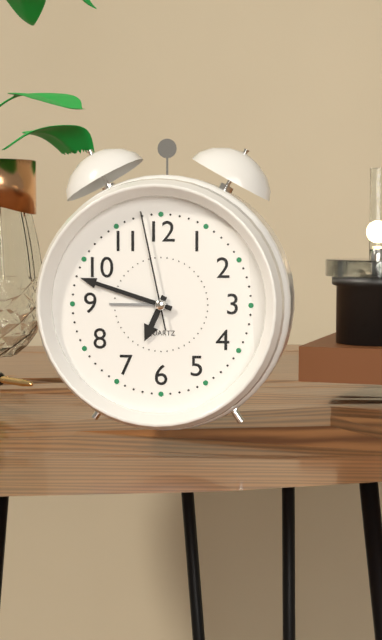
6:48:58
